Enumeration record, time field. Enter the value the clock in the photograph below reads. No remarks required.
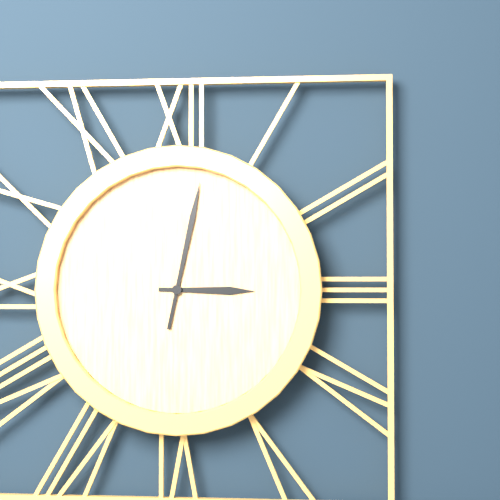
3:02
